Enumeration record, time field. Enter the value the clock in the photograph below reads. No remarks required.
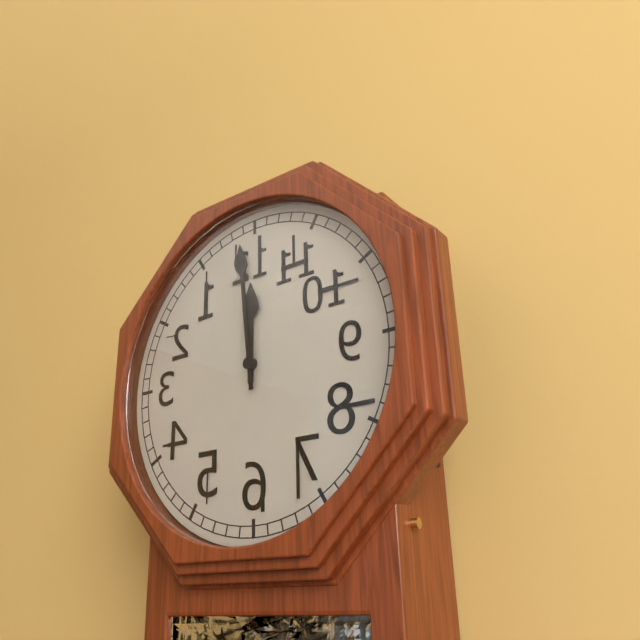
11:59
